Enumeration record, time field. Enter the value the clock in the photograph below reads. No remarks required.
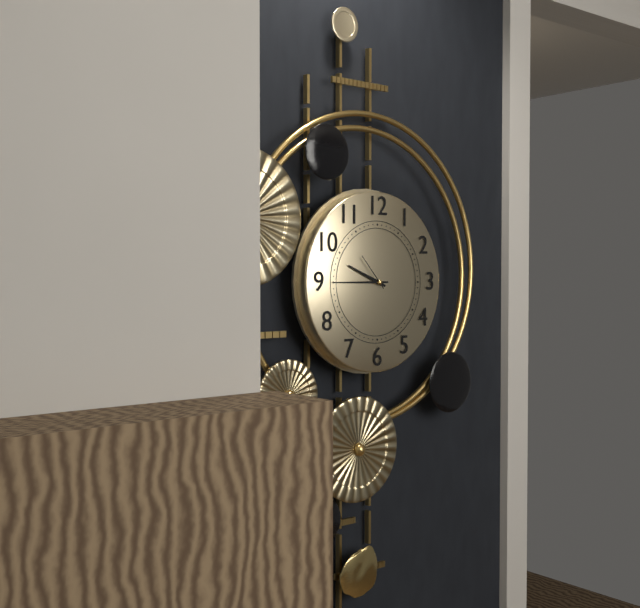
9:45
